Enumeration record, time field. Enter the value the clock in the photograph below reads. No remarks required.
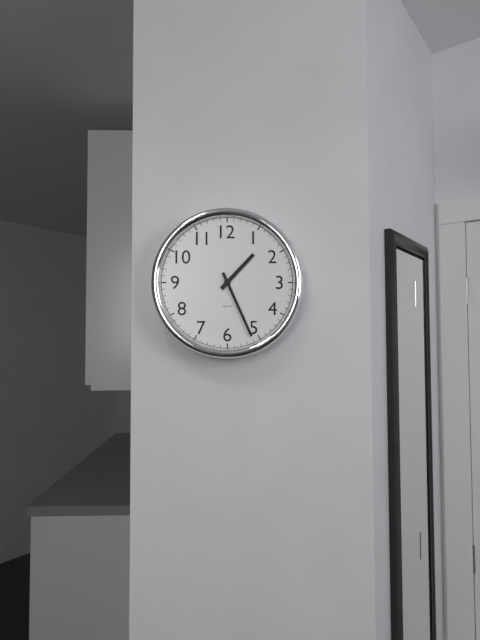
1:26
